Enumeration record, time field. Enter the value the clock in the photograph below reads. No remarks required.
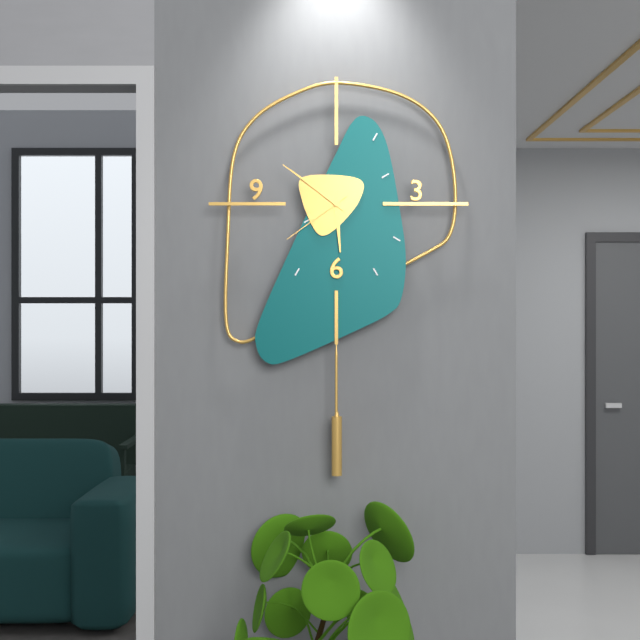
5:51:39
